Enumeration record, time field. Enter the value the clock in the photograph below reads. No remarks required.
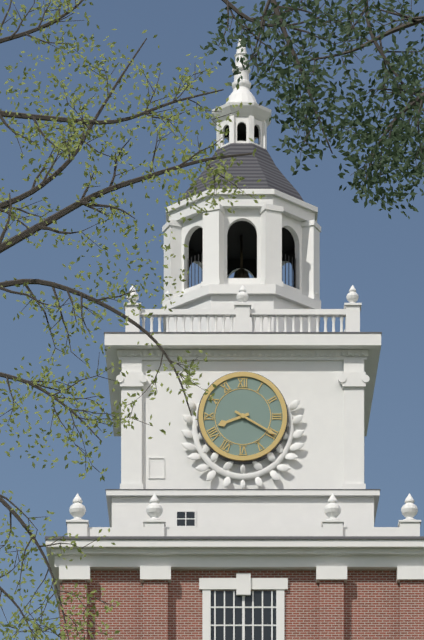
8:20
